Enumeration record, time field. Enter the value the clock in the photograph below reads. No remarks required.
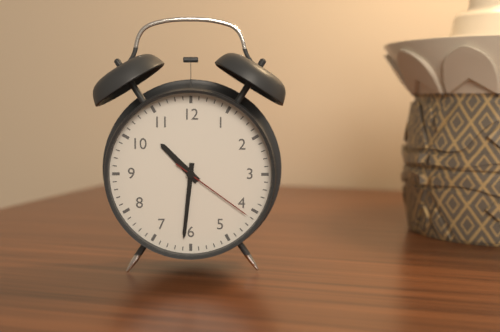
10:31:21
